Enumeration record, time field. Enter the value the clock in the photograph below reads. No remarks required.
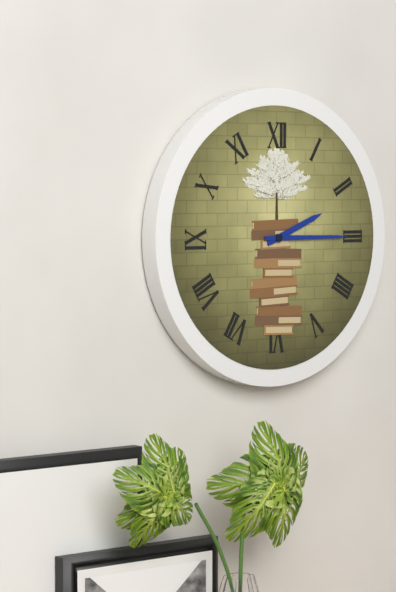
2:15
